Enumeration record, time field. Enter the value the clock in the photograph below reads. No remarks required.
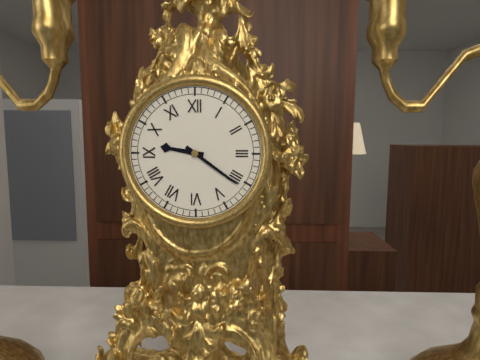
9:21
